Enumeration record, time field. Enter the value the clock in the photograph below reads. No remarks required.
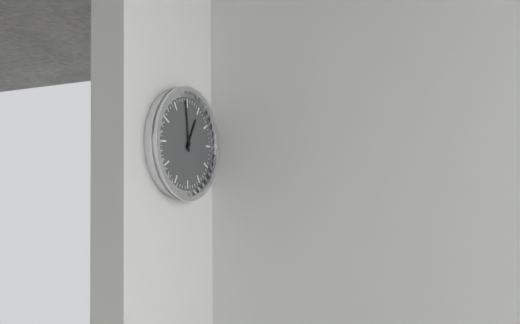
12:59
